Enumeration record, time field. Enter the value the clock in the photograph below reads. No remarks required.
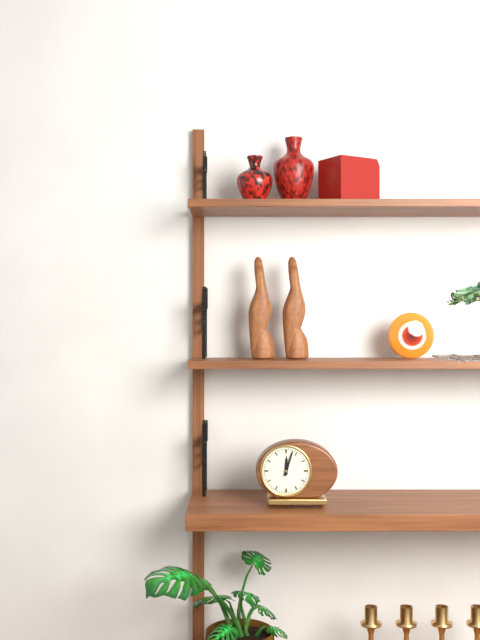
12:03
